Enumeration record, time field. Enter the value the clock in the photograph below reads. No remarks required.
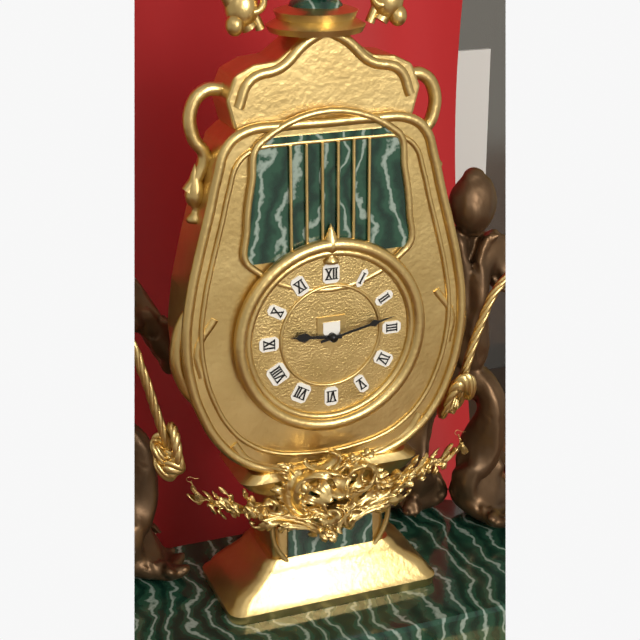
9:13
